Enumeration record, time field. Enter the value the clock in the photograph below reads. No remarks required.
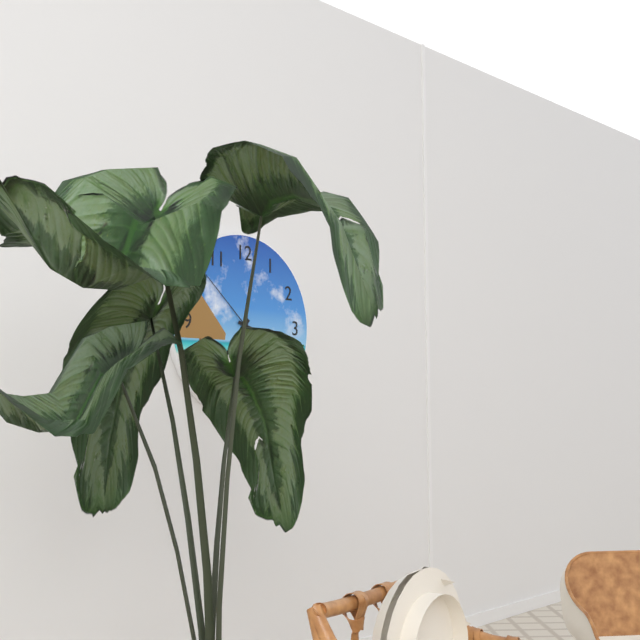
7:18:52
